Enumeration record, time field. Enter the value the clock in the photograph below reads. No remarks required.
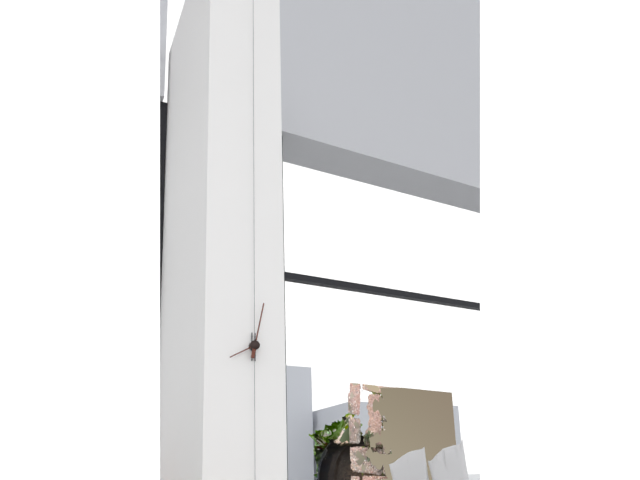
8:02
